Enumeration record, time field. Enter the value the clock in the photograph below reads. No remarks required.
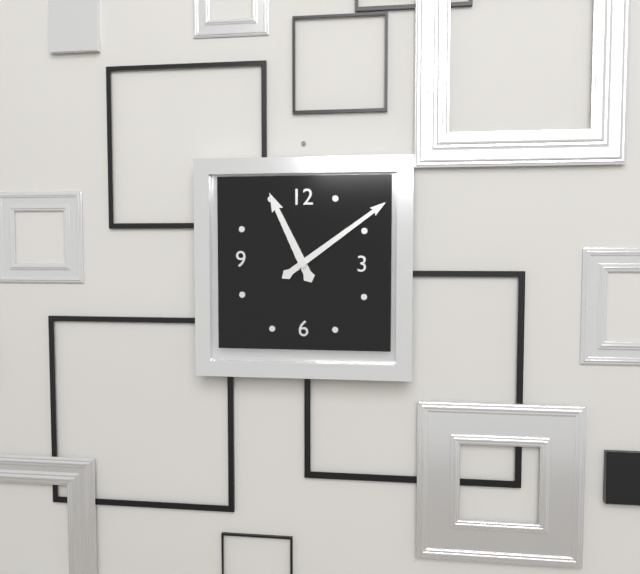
11:09
